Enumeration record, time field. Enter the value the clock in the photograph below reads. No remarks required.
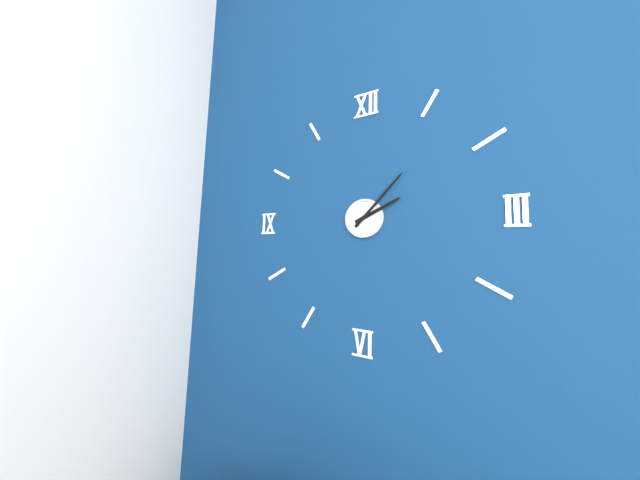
2:07
